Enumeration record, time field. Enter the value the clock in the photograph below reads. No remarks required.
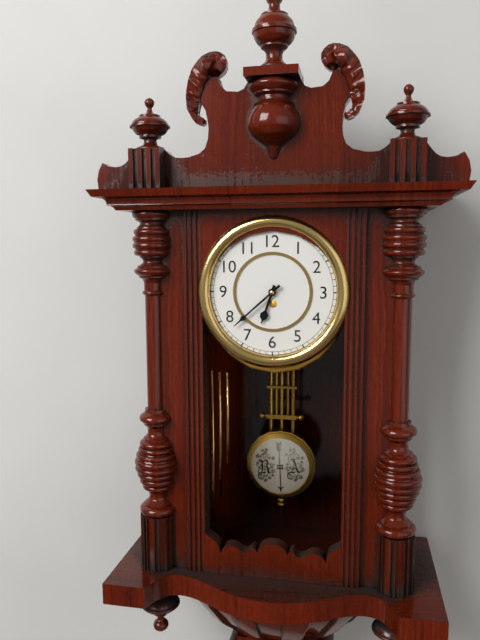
6:38
